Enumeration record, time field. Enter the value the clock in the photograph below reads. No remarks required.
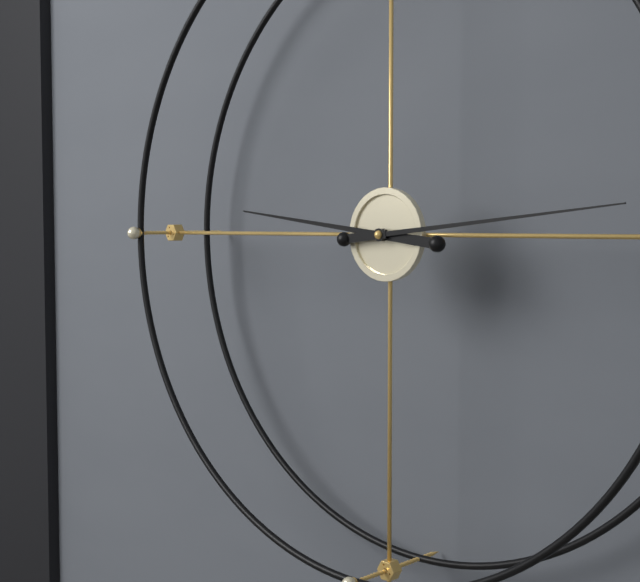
9:14
